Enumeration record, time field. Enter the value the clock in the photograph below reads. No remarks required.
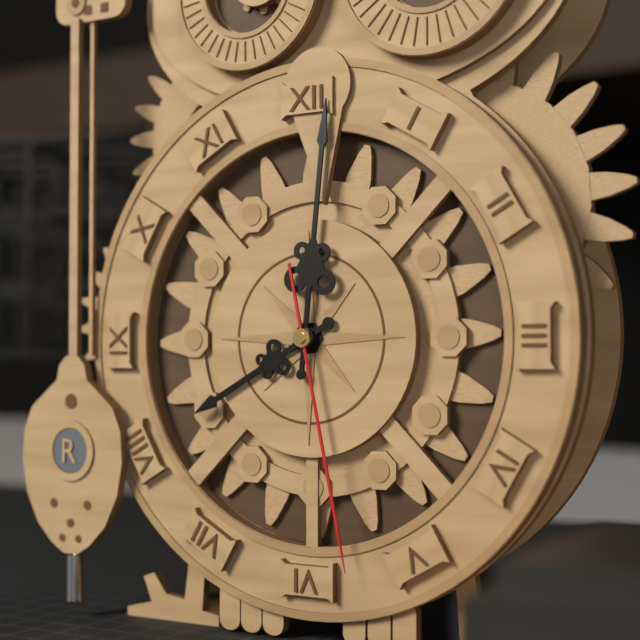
8:01:28
